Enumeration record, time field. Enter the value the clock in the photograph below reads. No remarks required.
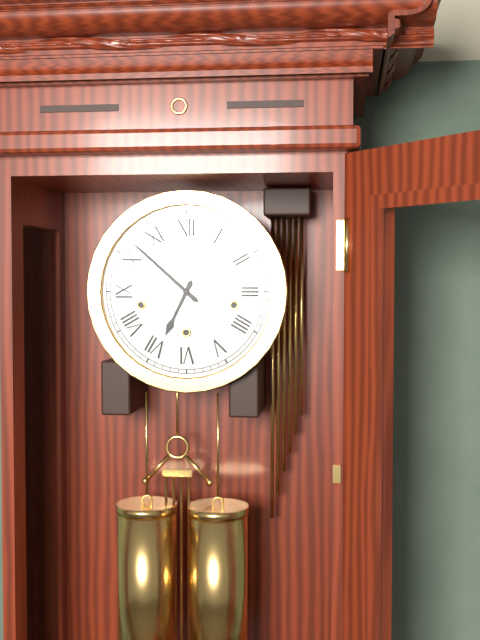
6:52
